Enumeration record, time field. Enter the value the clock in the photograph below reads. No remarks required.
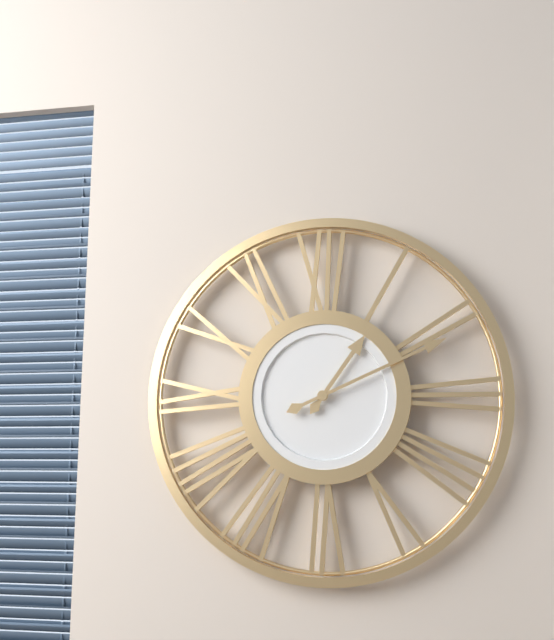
1:11
